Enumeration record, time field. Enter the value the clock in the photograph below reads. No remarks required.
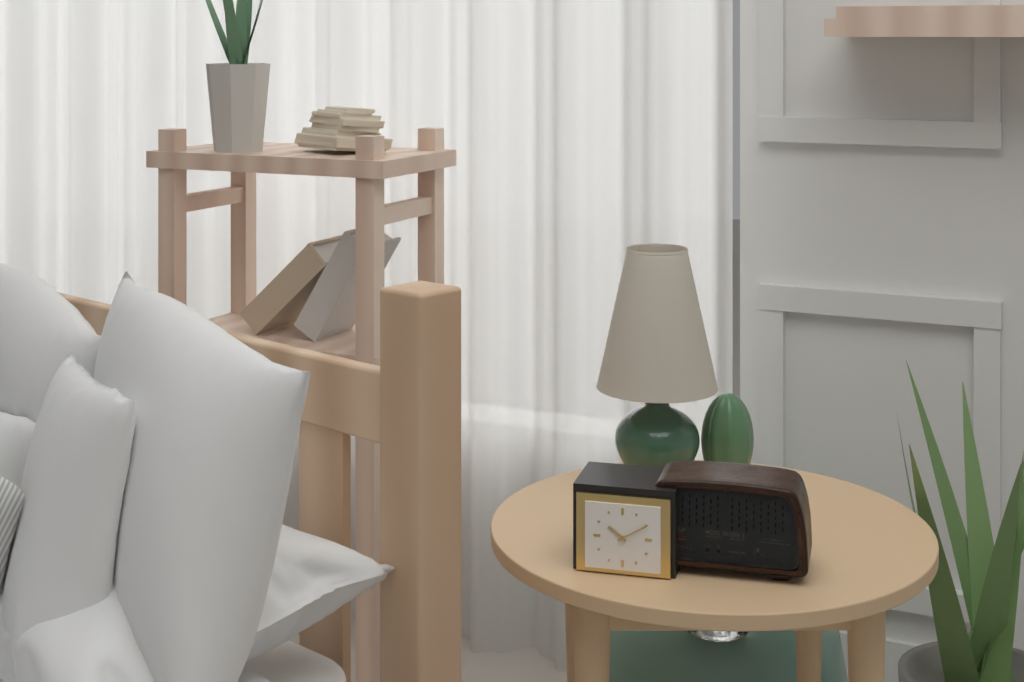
10:10
